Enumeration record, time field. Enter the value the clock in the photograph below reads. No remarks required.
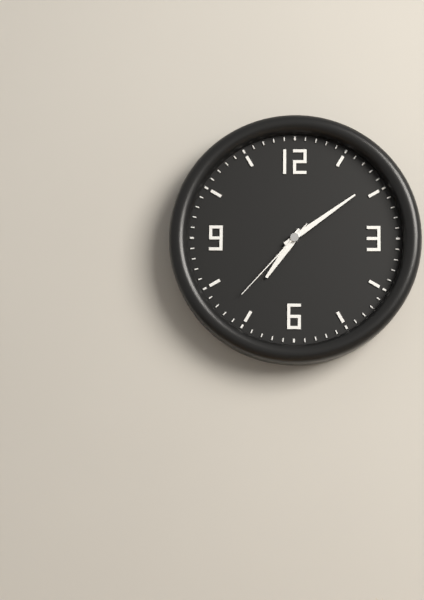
7:09:37
